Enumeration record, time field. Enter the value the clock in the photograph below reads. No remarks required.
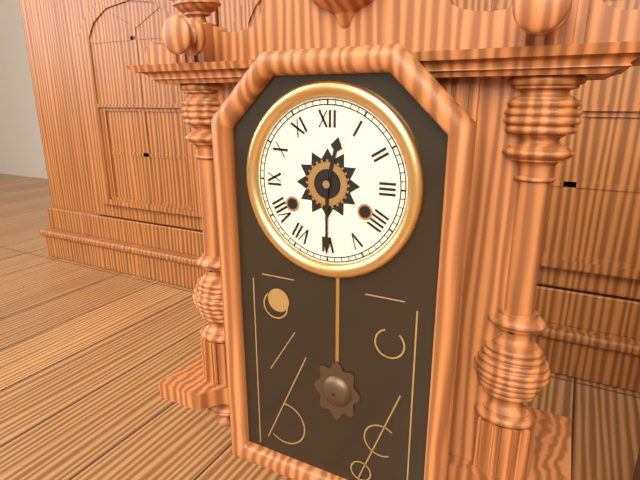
12:30
